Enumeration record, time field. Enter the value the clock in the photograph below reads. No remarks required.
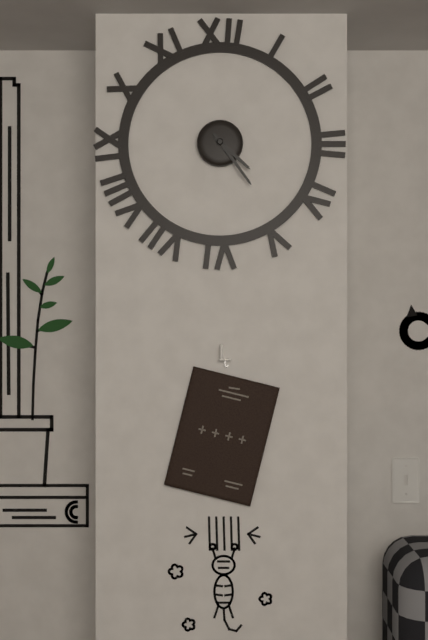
4:24
